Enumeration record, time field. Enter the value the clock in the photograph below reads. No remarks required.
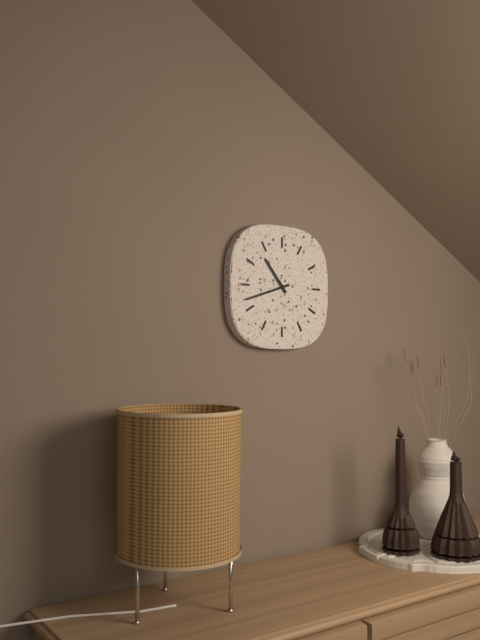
10:42
